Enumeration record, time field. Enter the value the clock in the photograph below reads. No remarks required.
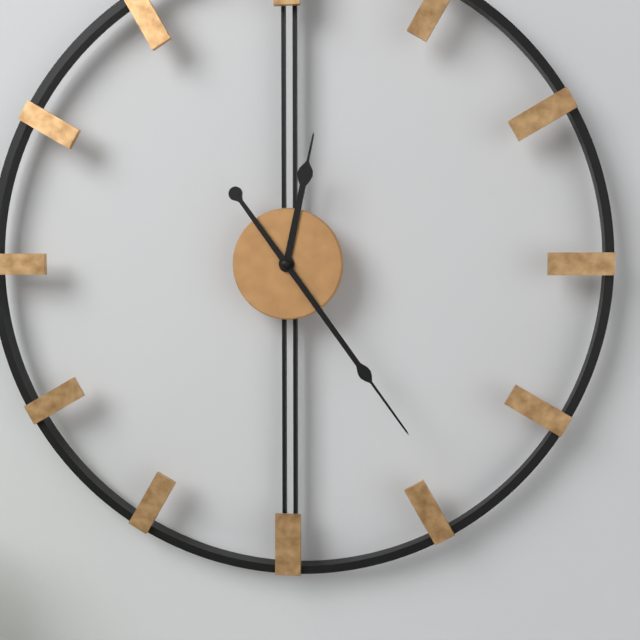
12:24
